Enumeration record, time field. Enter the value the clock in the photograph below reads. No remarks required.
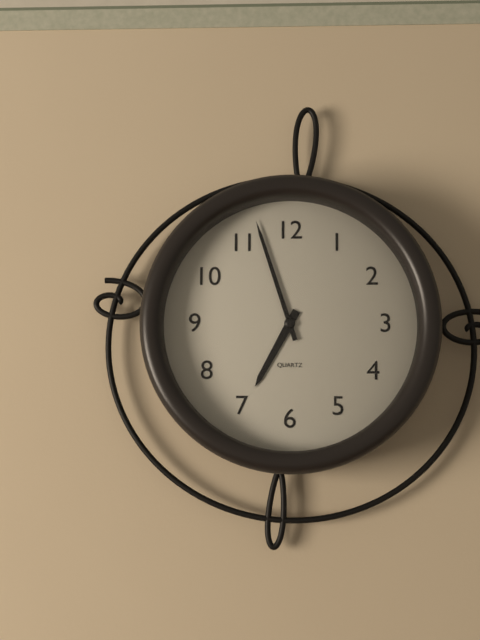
6:57
